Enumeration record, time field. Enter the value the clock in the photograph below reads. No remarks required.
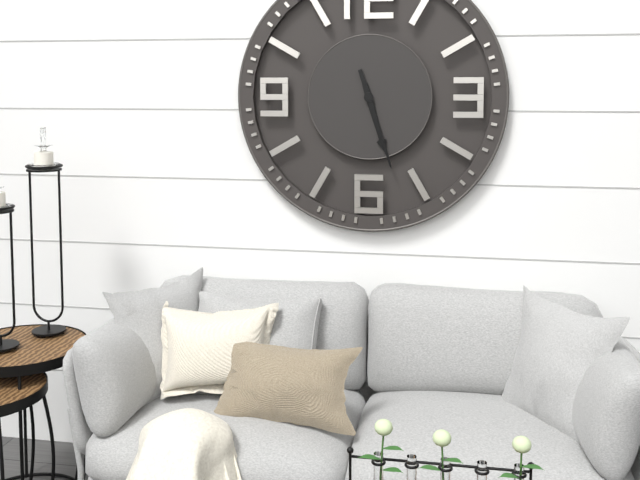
5:27
